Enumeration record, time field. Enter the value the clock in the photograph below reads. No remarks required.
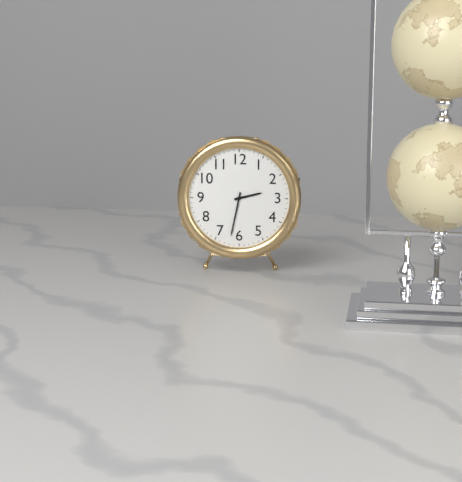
2:32
